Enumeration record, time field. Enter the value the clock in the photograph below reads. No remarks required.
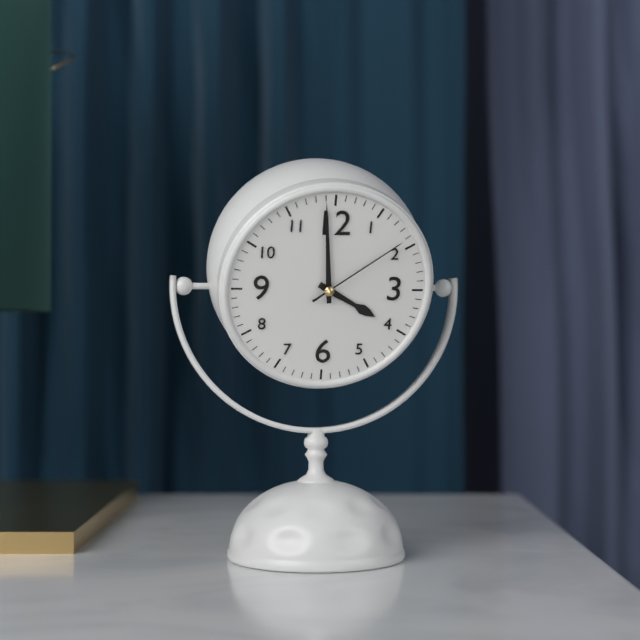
3:59:09
